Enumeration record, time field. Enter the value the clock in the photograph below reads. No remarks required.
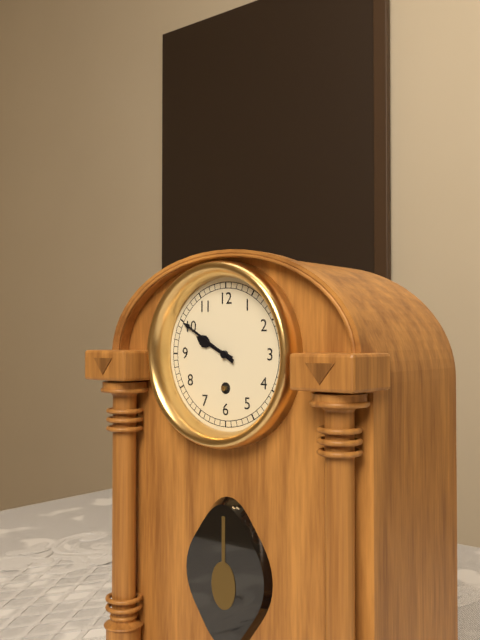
9:50
